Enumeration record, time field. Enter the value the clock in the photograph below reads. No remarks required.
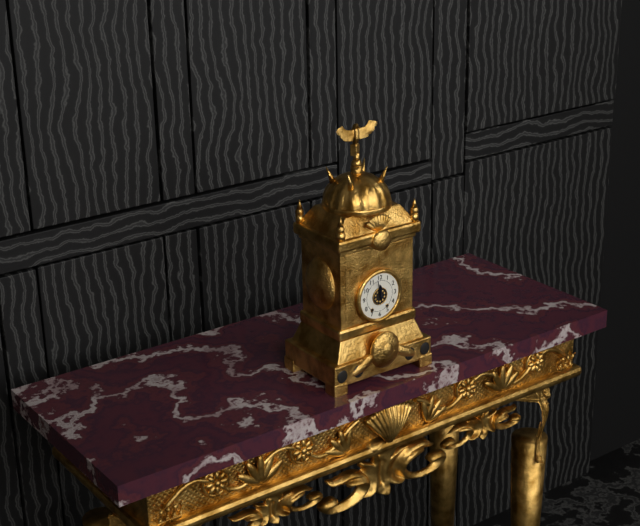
11:58
